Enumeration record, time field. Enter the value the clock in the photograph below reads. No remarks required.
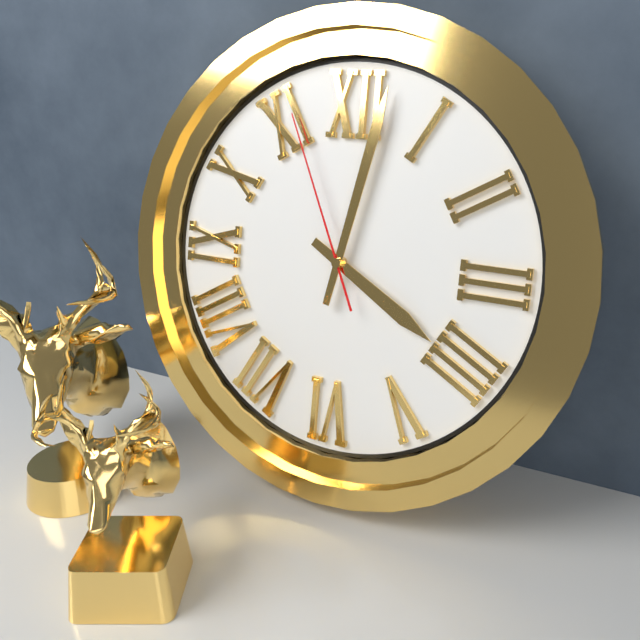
4:02:56
